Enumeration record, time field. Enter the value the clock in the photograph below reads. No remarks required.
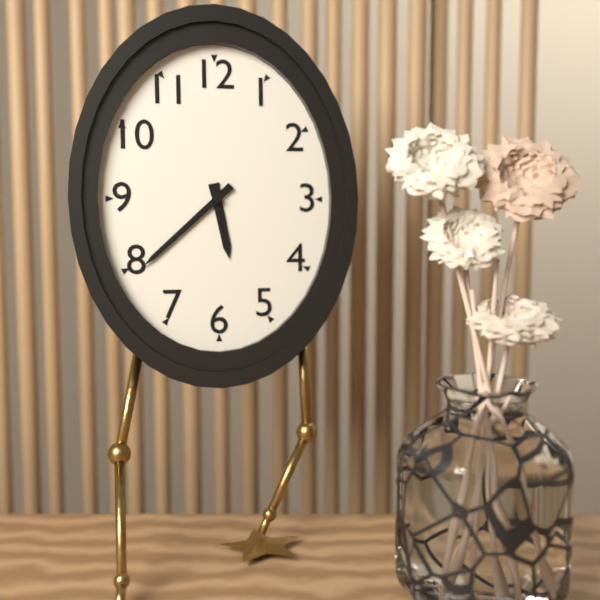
5:38
